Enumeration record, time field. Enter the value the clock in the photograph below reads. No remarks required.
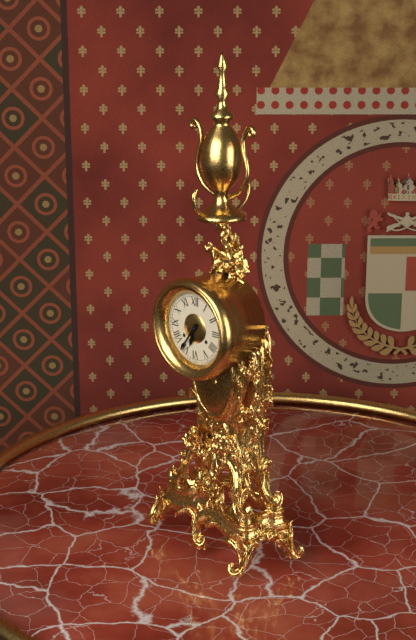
6:36
